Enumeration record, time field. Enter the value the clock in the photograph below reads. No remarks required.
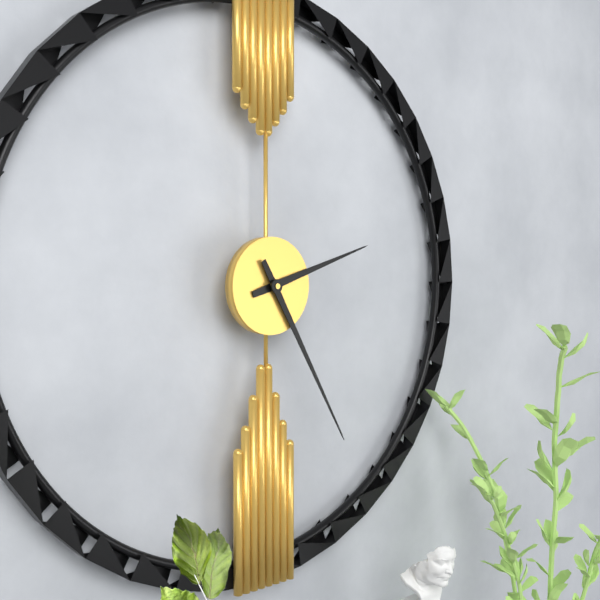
2:25
